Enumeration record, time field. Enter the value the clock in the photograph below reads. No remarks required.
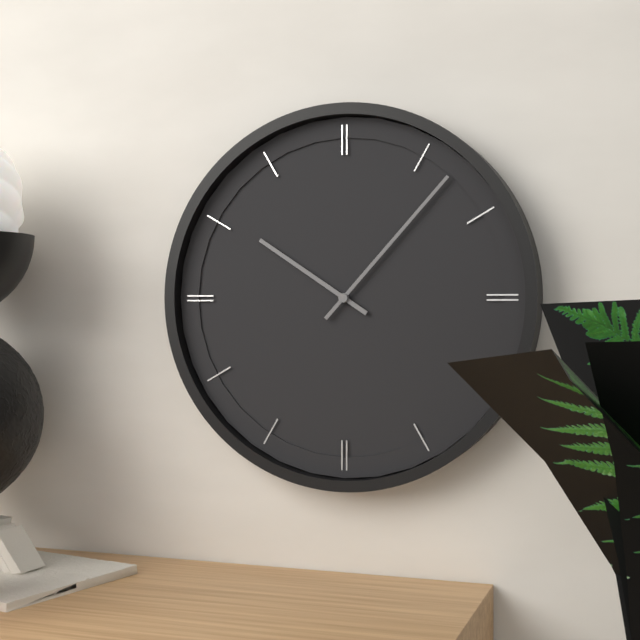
10:07
